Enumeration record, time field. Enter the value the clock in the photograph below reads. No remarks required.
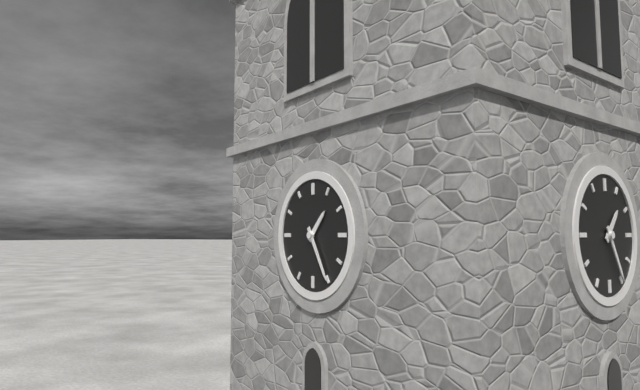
1:25
